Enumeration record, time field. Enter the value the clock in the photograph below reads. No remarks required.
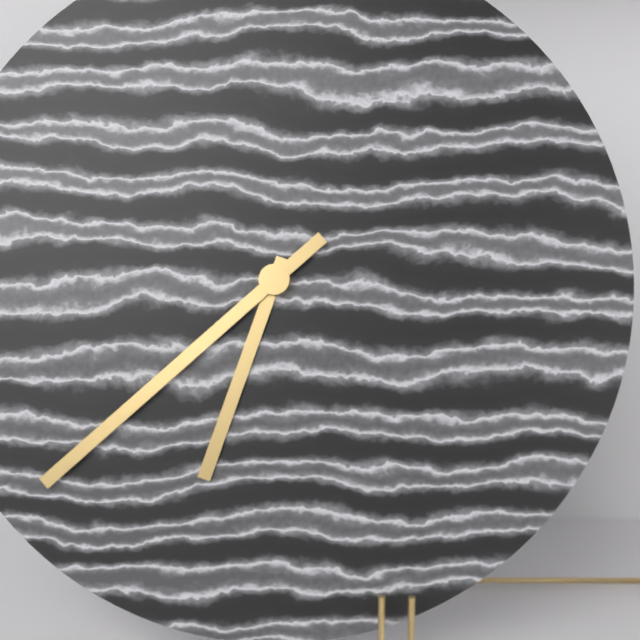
6:38
